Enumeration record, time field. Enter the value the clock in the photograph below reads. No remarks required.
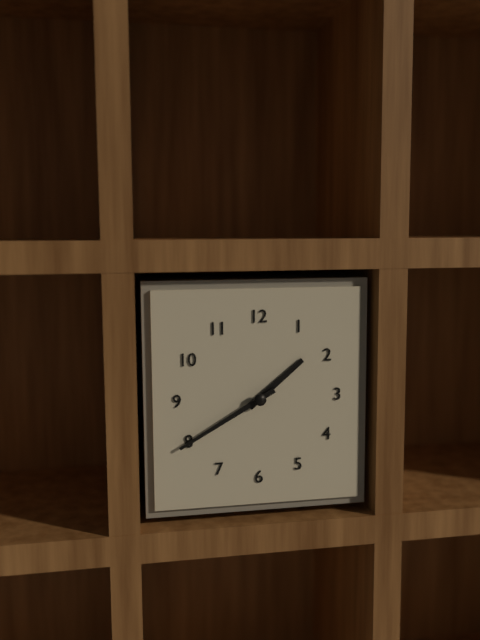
1:40
